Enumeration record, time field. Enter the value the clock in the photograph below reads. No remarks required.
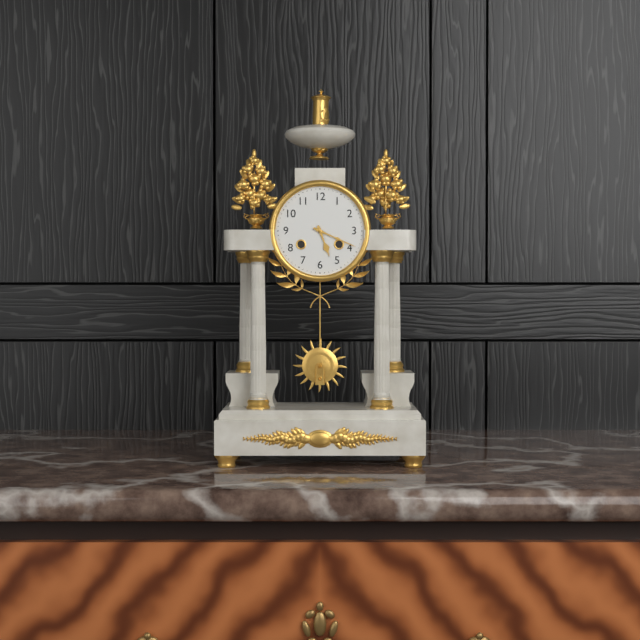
5:19
